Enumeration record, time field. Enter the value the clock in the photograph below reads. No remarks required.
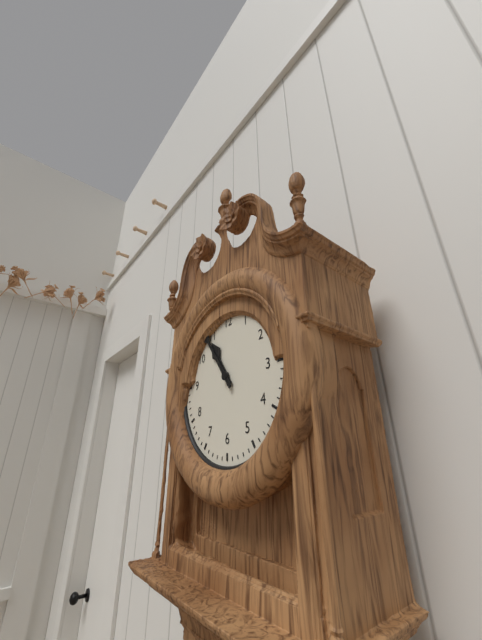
10:54
